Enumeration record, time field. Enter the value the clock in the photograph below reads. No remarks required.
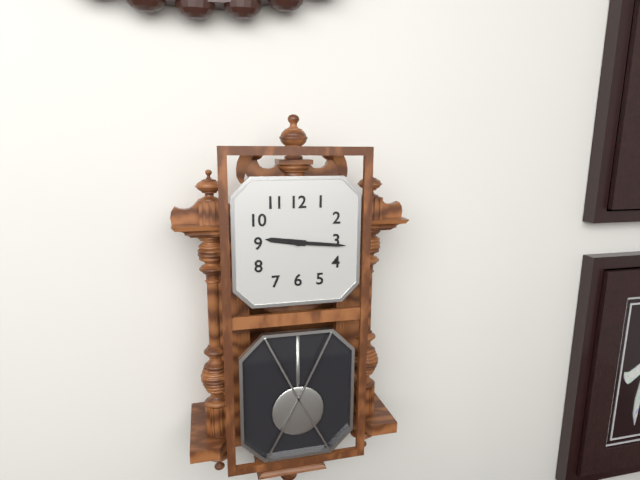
9:16
